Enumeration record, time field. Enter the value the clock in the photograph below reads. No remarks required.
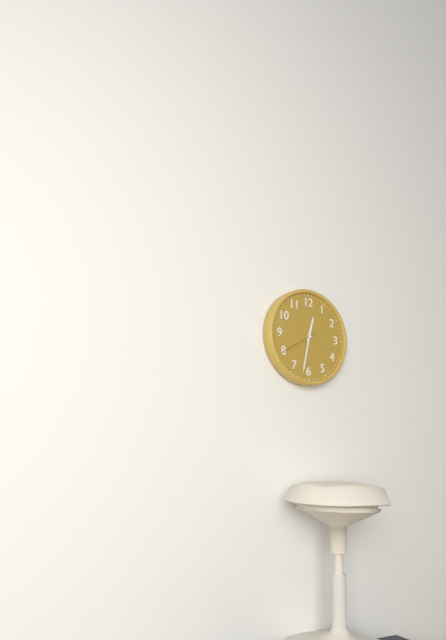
12:32
